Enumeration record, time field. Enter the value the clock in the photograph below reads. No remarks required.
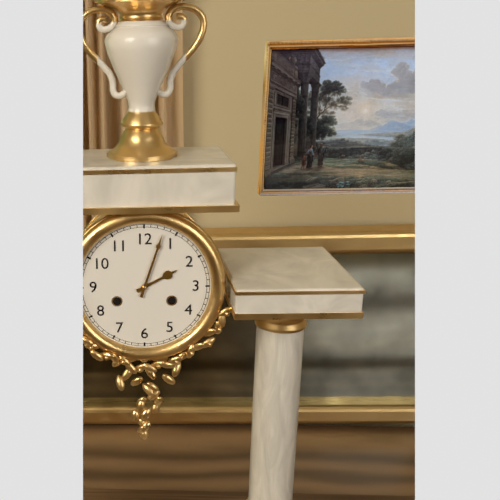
2:03
